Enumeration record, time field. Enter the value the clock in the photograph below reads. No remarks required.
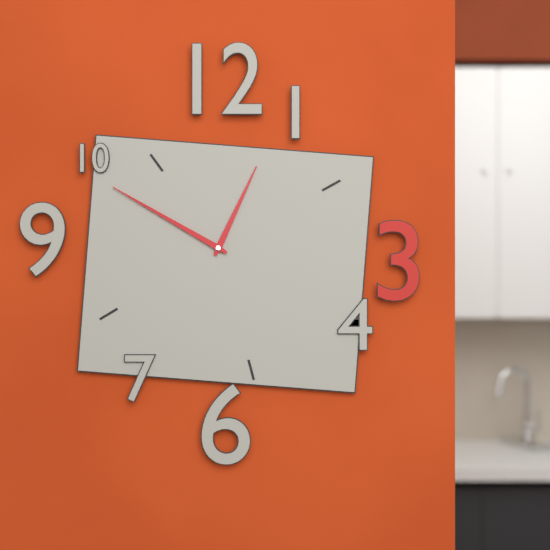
12:50
